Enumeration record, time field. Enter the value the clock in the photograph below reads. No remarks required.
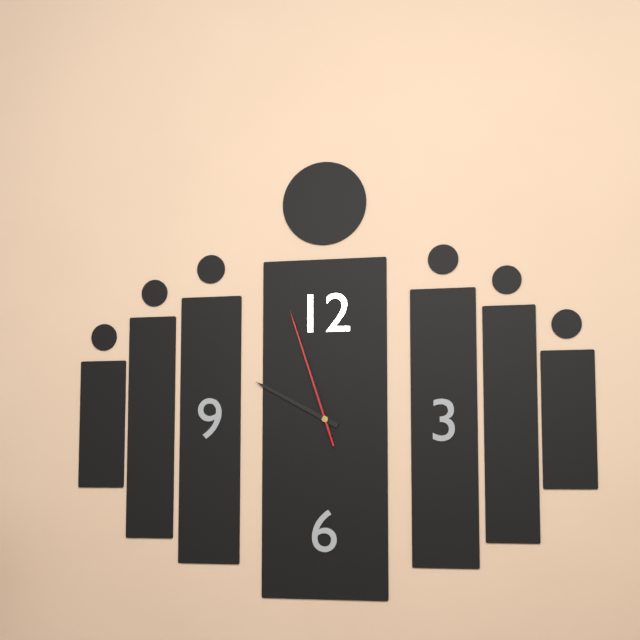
9:57:57
